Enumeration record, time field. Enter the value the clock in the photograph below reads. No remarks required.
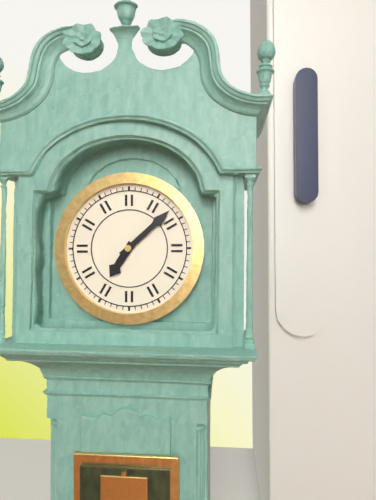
7:08
